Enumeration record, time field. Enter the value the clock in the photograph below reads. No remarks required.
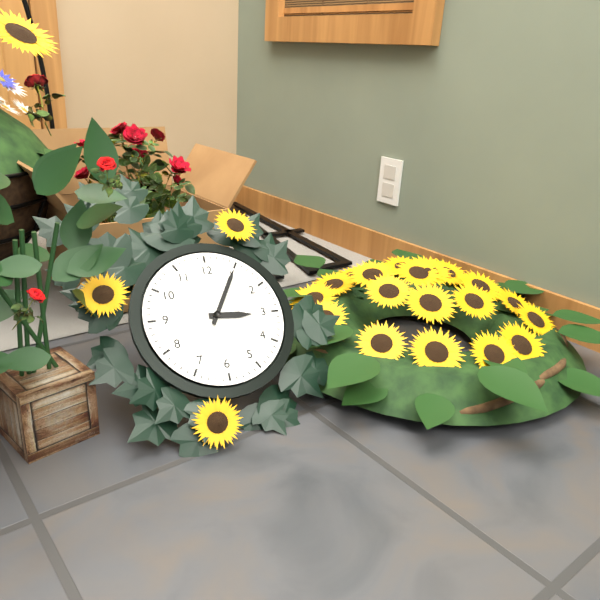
3:05
